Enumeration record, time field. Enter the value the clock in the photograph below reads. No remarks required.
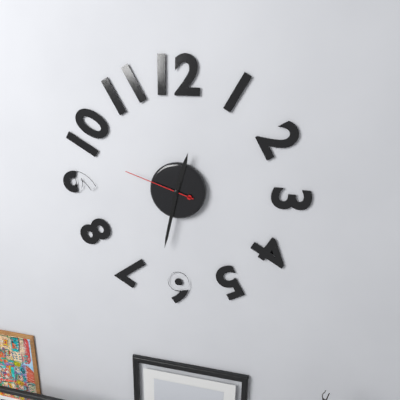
12:32:48
